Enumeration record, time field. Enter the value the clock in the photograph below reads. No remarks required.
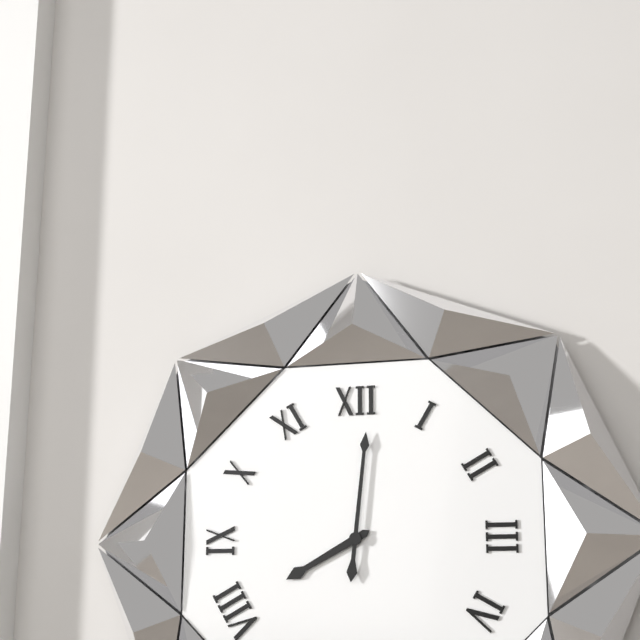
8:01
